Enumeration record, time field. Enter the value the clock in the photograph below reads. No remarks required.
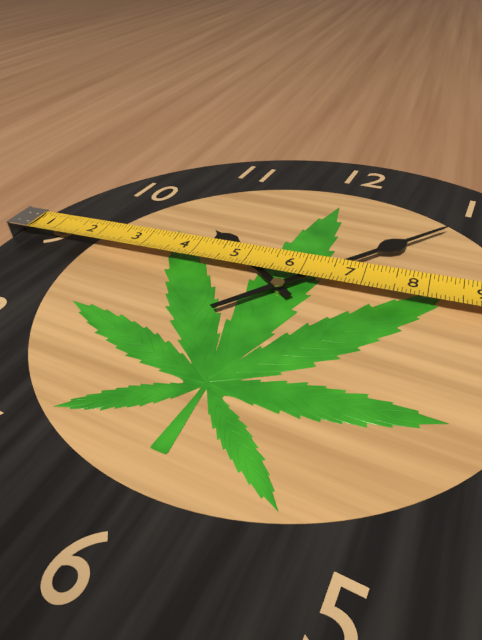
10:06
